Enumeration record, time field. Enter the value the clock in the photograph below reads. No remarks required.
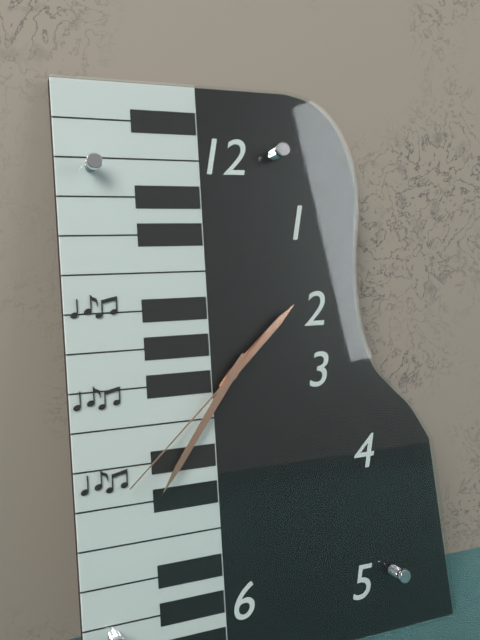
1:36:38
